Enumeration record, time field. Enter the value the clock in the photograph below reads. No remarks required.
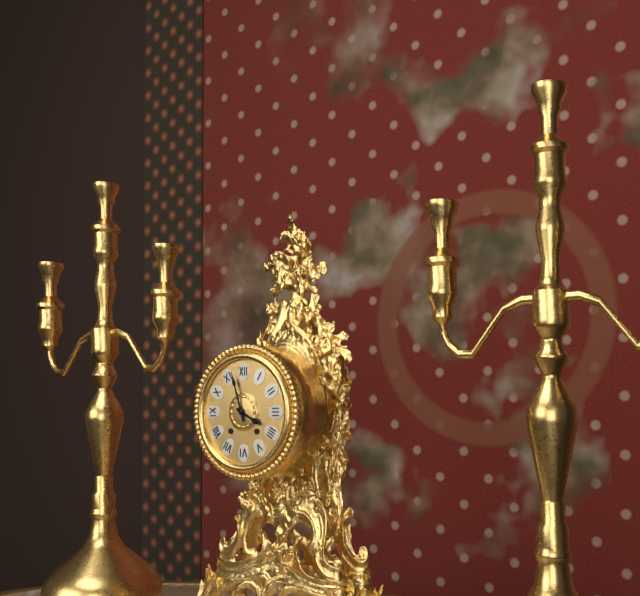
3:57
